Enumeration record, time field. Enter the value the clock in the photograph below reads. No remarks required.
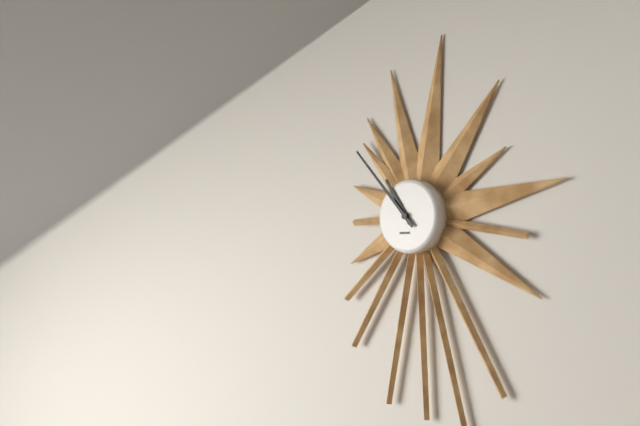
10:53
